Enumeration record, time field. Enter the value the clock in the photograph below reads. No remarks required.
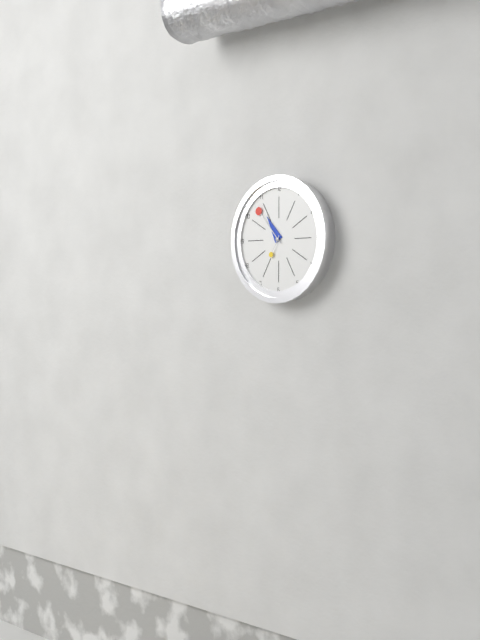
10:53
